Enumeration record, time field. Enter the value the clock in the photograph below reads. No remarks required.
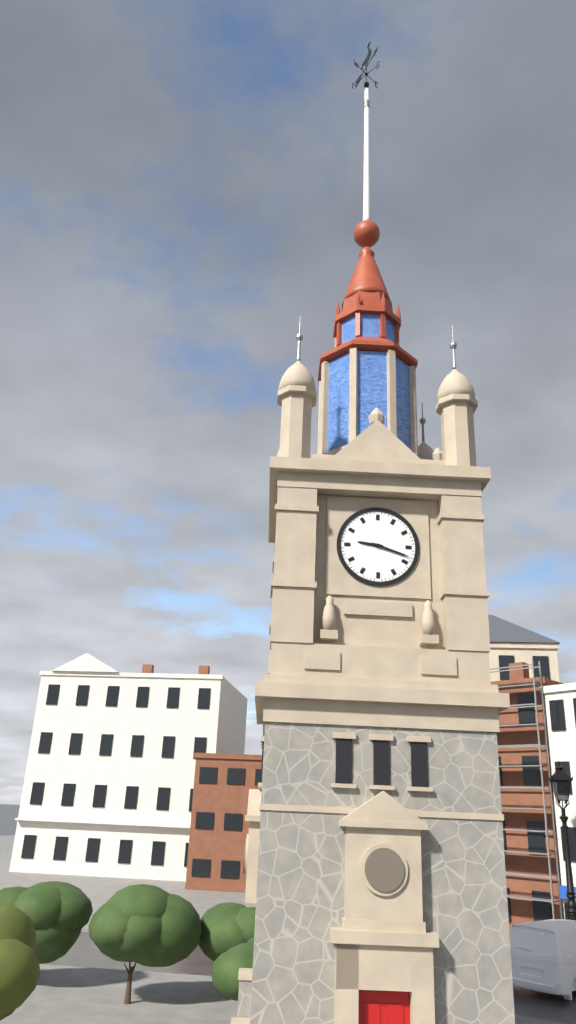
9:18
